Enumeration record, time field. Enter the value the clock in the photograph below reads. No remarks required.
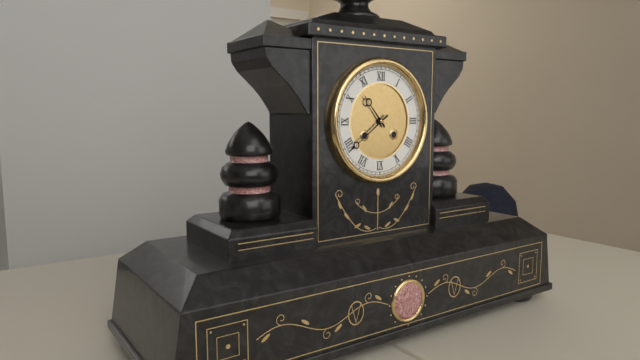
10:39
